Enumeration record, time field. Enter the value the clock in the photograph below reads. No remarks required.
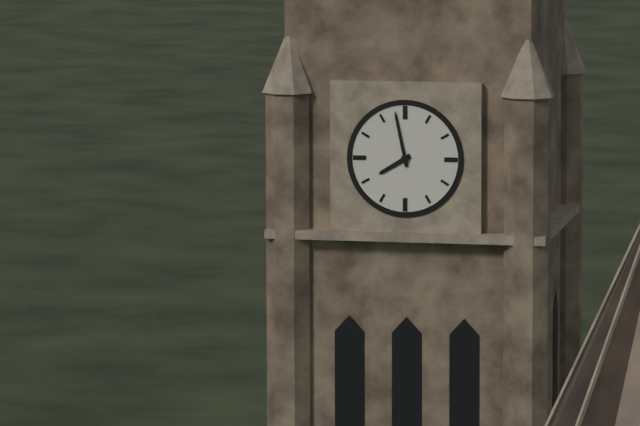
7:58
